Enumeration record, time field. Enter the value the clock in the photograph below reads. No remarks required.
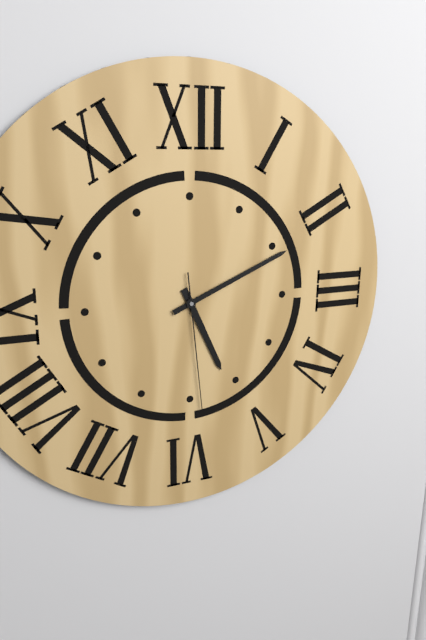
5:11:29
